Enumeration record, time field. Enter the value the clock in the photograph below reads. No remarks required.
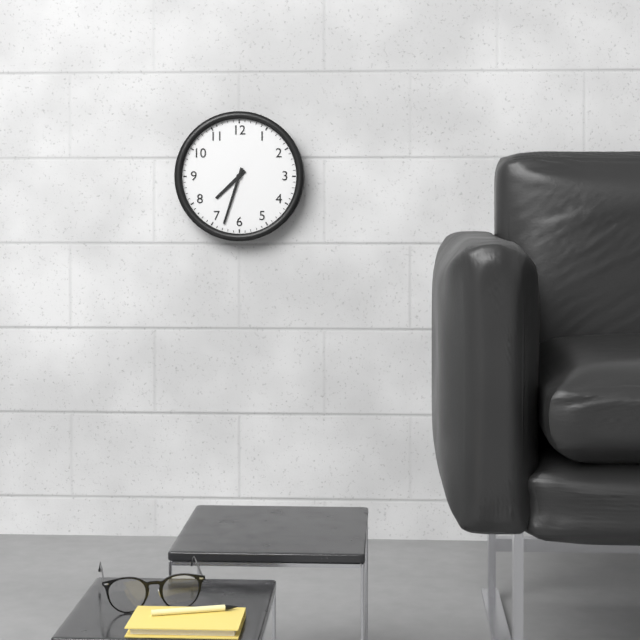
7:33
